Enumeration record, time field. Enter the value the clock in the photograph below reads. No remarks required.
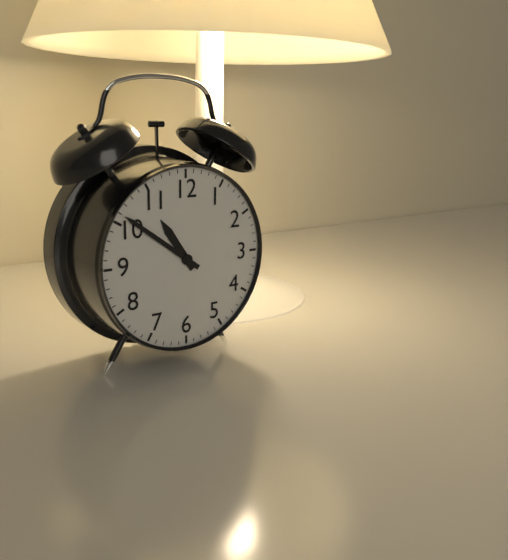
10:51
